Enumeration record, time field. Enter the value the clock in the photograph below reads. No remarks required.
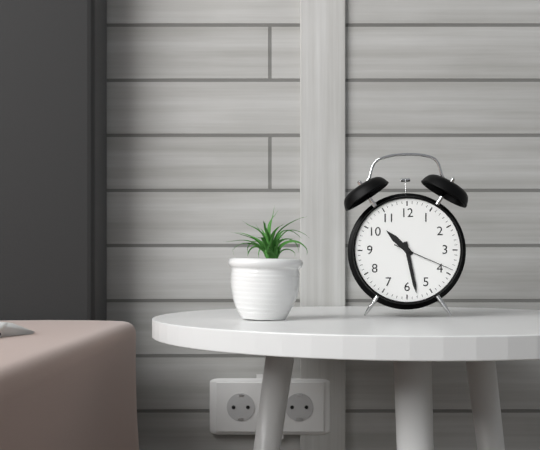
10:28:19
